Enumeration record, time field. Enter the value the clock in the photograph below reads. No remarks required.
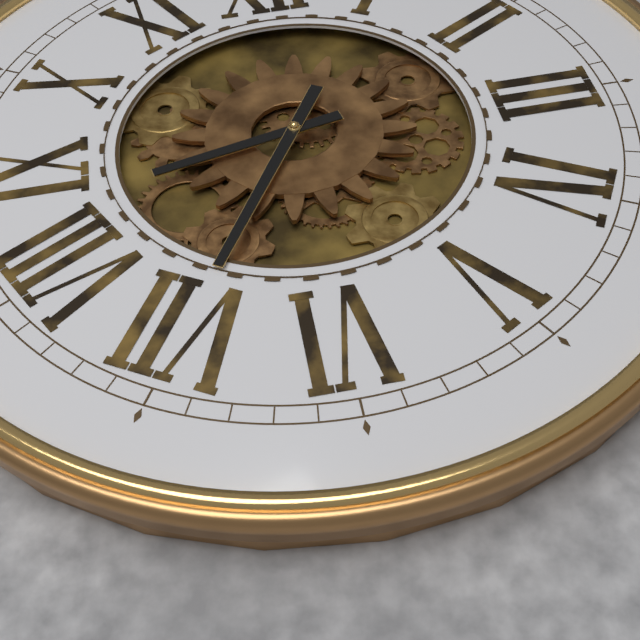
8:35
